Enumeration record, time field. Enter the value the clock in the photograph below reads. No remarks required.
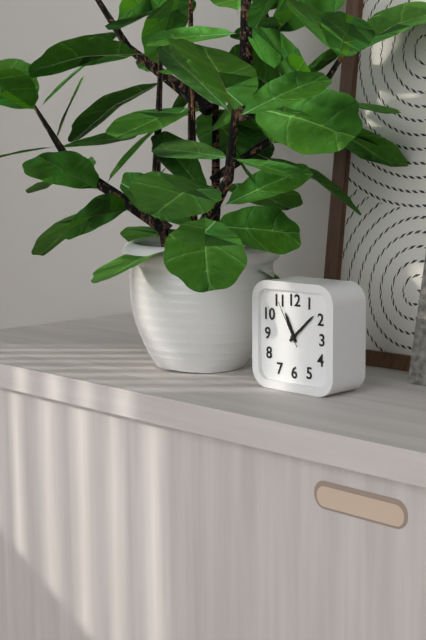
11:08
